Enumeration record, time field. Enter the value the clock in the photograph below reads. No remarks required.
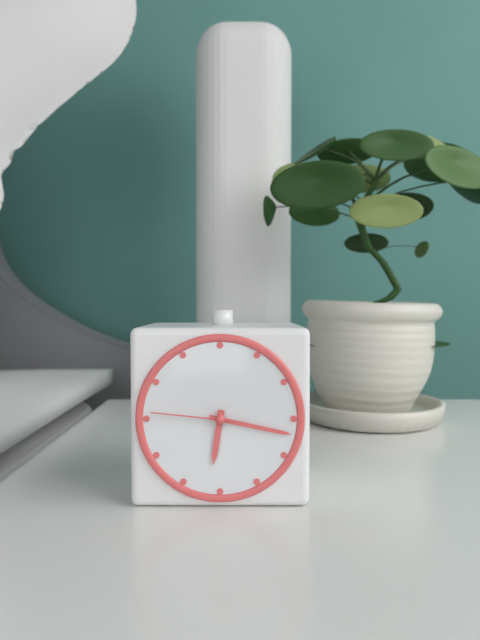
6:17:46
